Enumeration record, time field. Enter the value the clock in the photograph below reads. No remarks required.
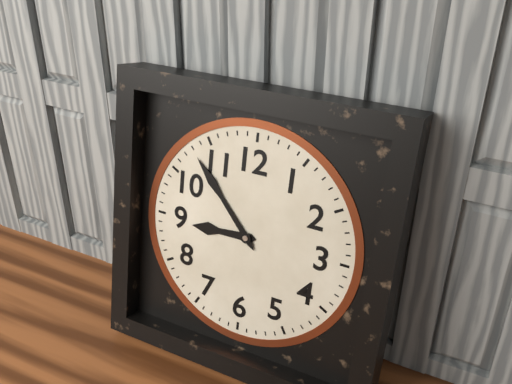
8:53
